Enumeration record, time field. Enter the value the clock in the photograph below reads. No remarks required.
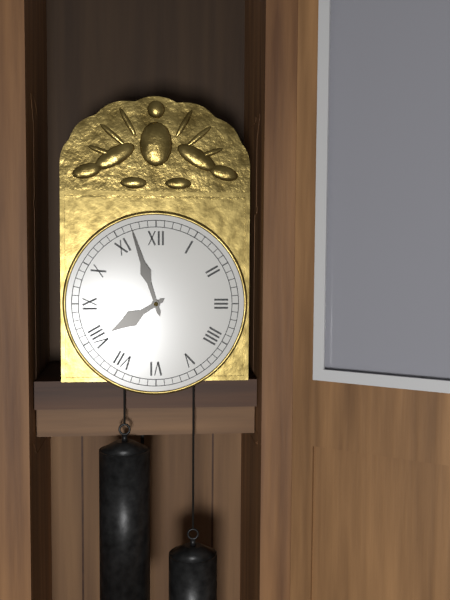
7:57
